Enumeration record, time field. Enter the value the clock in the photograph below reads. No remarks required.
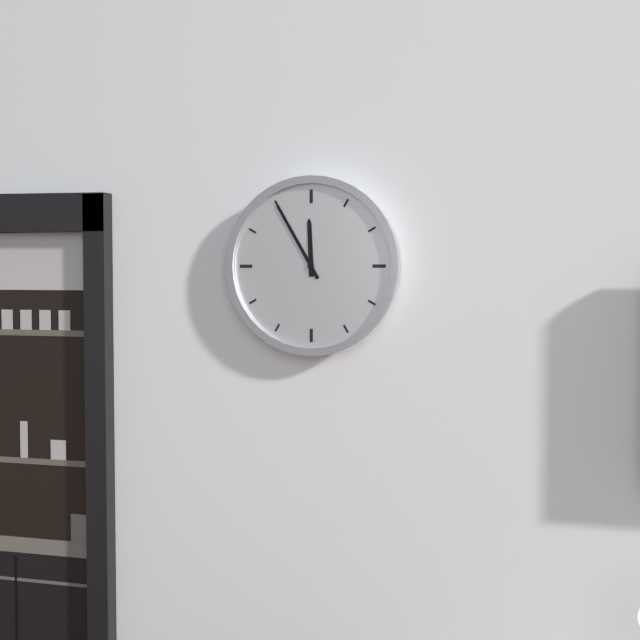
11:55
